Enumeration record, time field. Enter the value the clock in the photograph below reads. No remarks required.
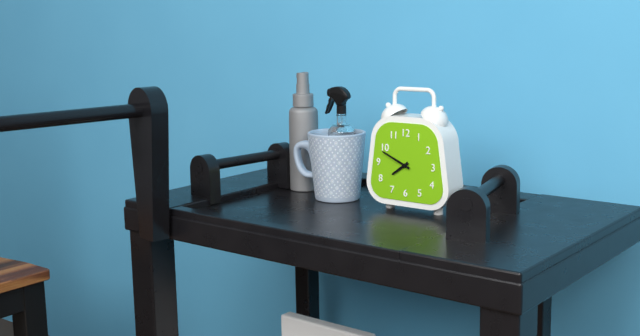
7:49
